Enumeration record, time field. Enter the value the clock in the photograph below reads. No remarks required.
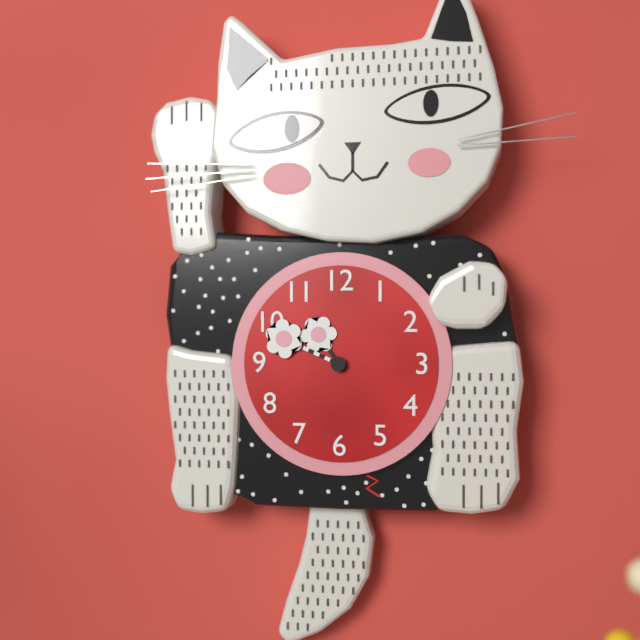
10:49
